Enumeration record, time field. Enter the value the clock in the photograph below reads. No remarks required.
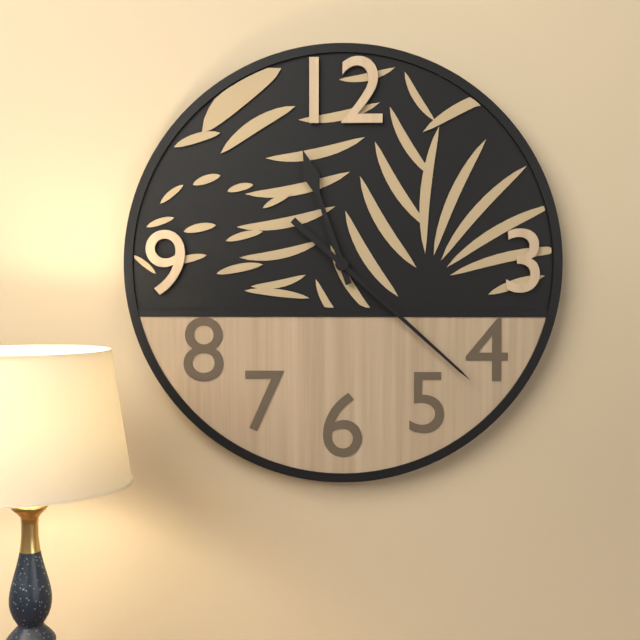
11:22
